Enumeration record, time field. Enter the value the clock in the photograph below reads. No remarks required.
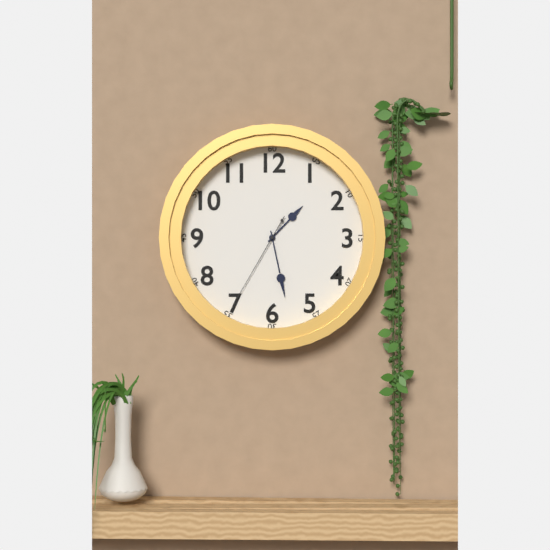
1:28:35
